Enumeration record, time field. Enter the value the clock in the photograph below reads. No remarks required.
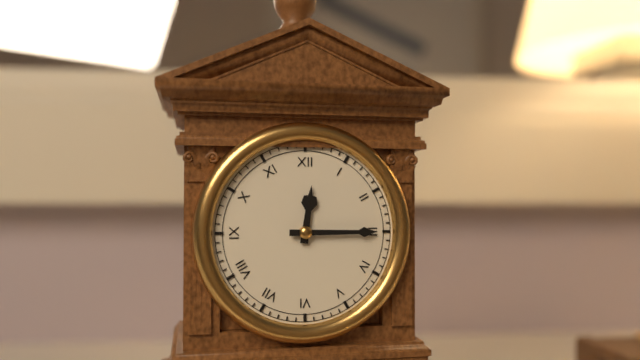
12:15
